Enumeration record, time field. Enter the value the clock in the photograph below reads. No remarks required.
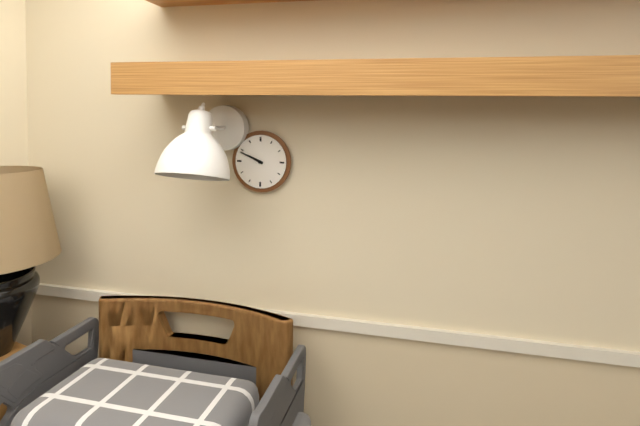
9:49
